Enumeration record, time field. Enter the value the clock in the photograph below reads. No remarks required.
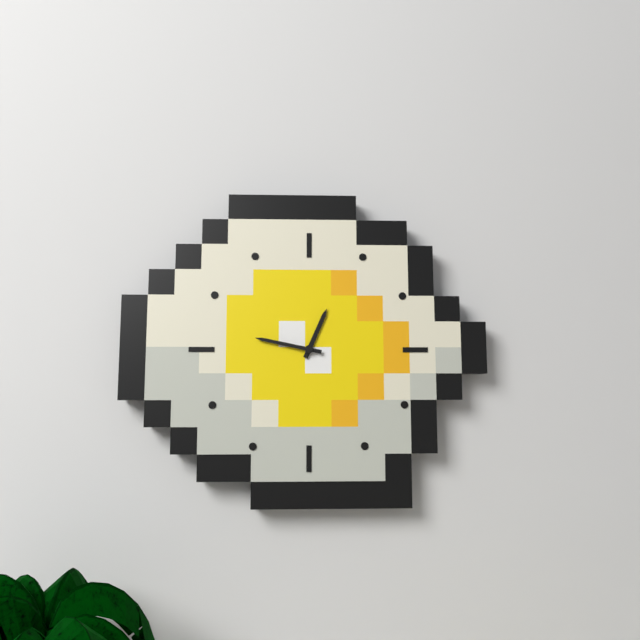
12:47
